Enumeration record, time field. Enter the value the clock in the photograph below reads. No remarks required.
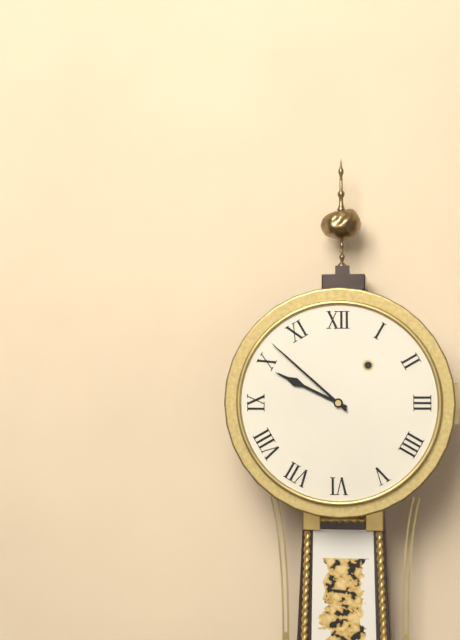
9:52
